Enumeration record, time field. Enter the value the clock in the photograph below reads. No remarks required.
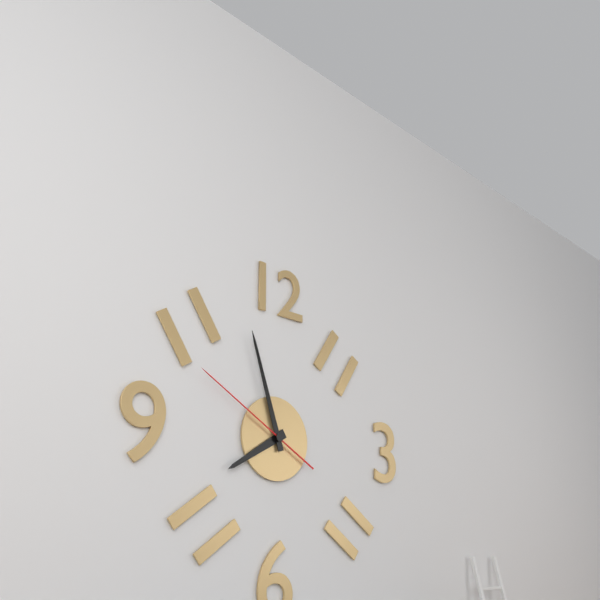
7:57:50
